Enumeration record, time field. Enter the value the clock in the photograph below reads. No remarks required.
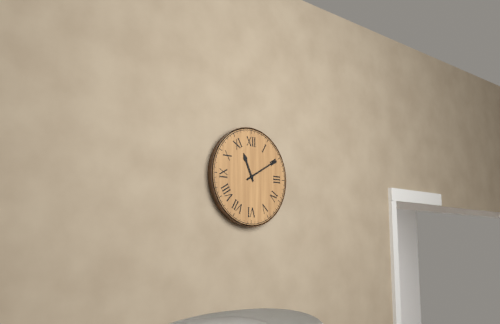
11:10
